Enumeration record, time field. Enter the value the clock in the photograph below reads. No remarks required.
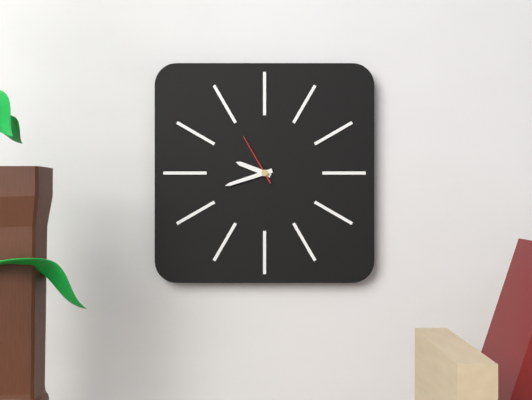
9:42:55
